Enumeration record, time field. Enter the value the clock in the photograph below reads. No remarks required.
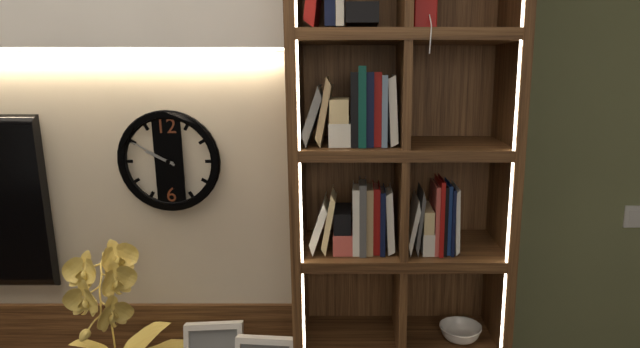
9:50
